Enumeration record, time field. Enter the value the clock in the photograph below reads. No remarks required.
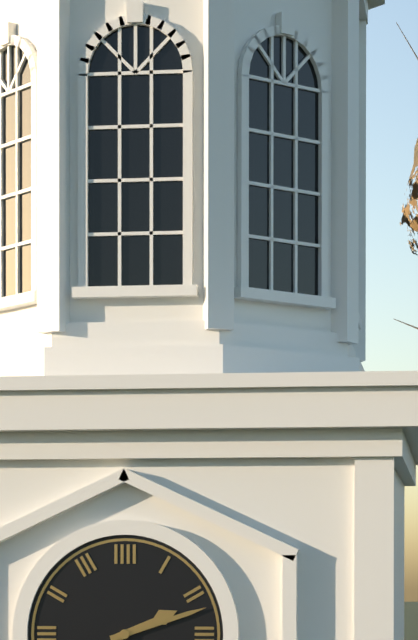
2:12
